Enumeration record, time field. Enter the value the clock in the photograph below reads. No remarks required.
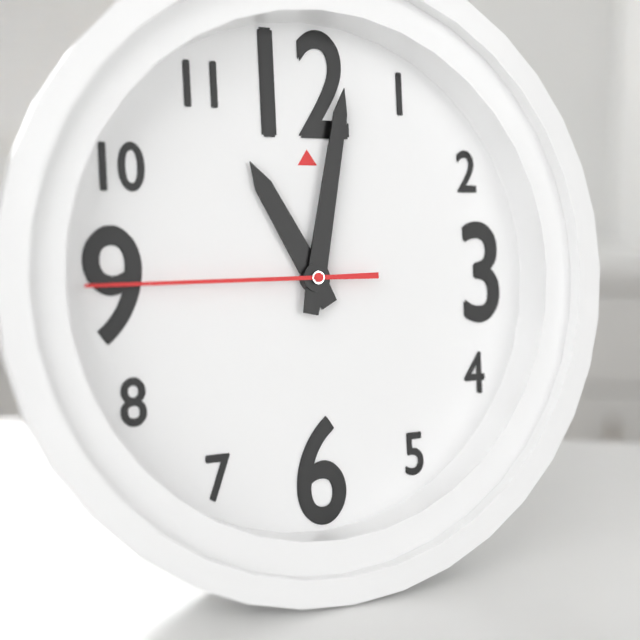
11:02:45
